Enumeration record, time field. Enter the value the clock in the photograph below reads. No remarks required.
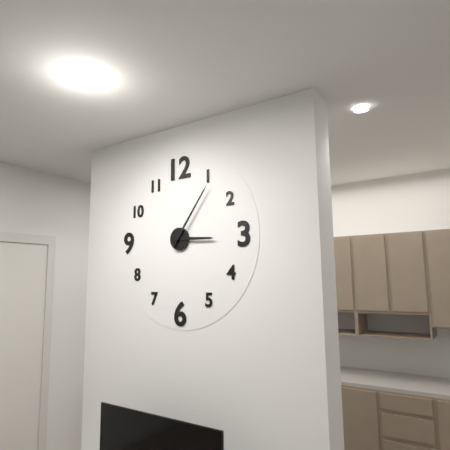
3:06
